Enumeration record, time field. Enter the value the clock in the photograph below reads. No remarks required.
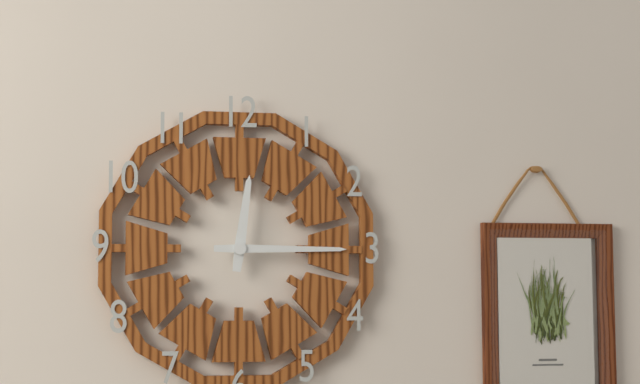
12:15
